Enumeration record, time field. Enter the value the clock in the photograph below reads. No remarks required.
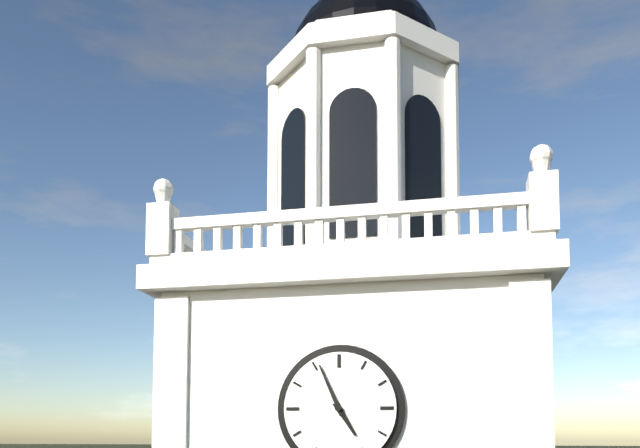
4:56
